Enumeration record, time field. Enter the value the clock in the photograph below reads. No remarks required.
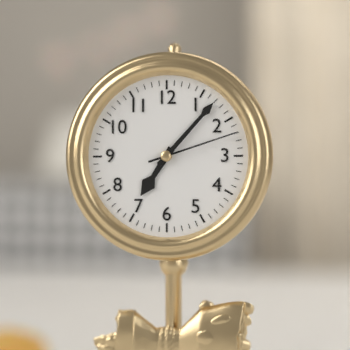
7:07:12
